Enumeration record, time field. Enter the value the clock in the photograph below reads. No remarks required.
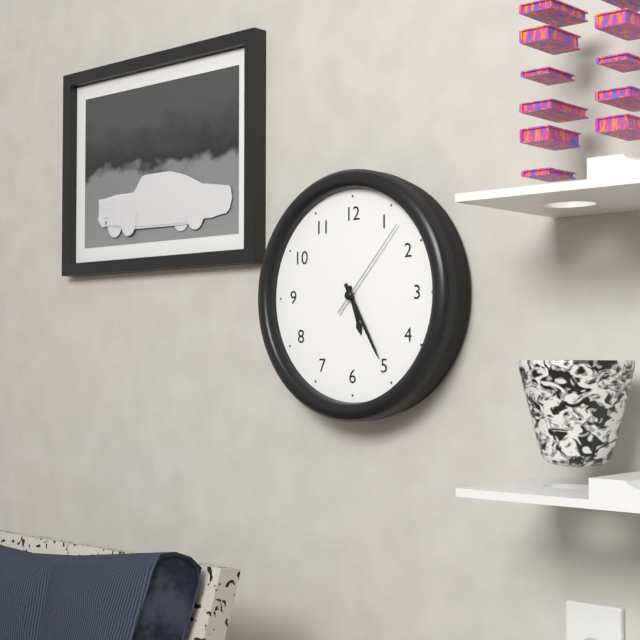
5:25:07
